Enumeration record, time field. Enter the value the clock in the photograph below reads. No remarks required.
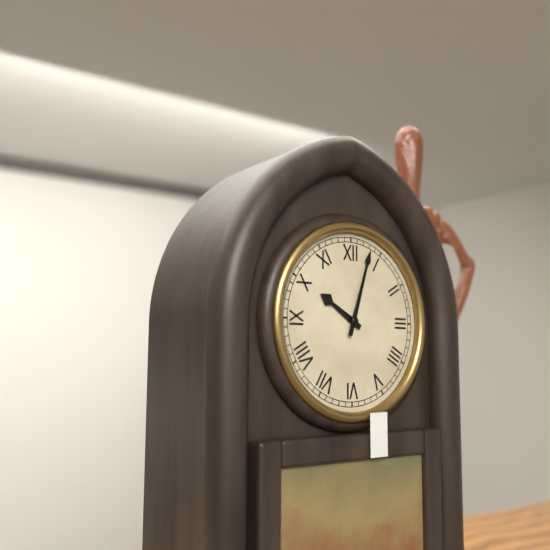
10:03
